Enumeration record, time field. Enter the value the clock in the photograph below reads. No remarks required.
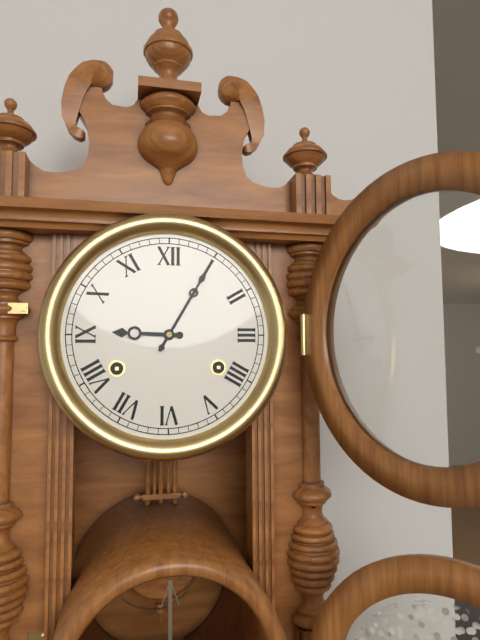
9:05
